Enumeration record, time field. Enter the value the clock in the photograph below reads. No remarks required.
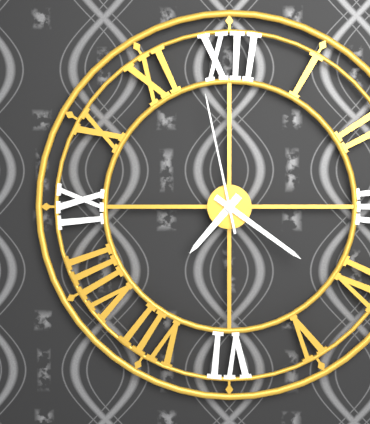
7:21:58
